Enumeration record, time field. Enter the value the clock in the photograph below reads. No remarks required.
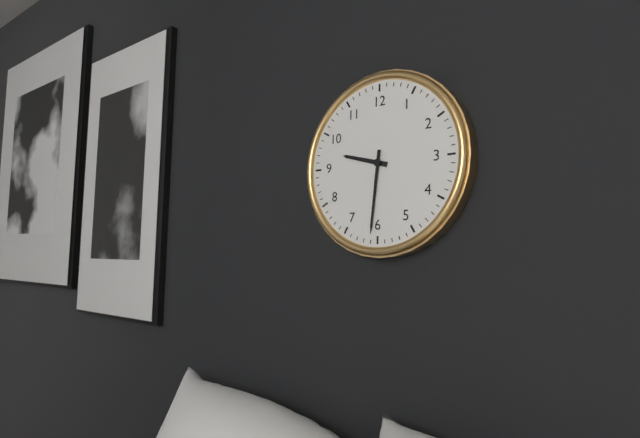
9:31
